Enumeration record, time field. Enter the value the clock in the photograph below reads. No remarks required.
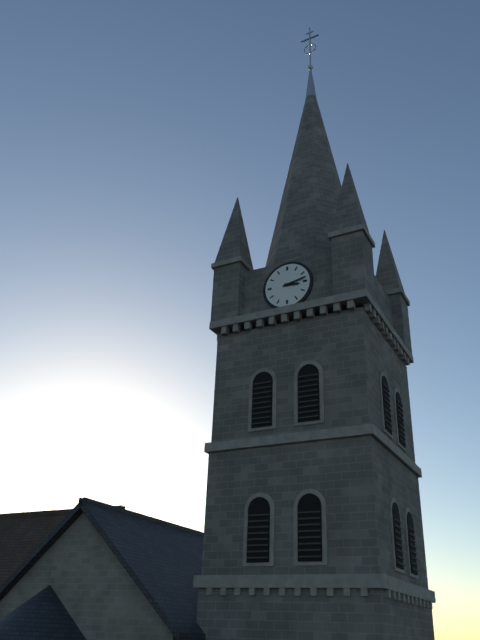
3:13
